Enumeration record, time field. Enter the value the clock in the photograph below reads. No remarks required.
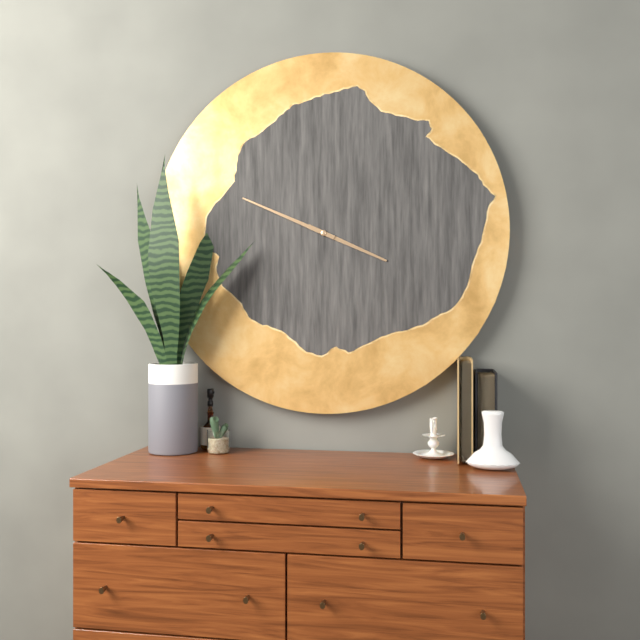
3:49
